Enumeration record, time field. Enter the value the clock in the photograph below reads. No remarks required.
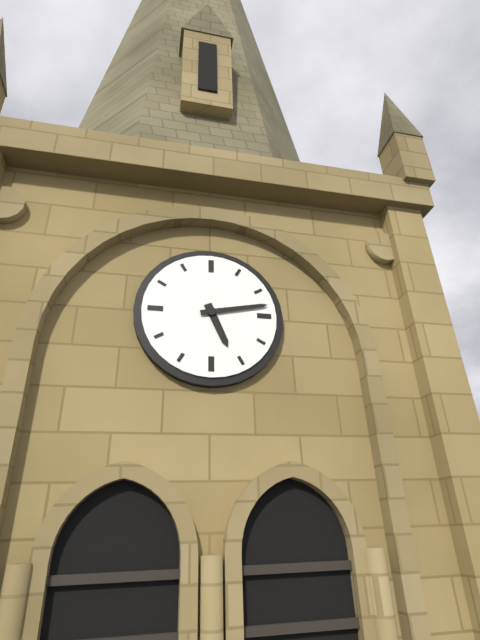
5:13
